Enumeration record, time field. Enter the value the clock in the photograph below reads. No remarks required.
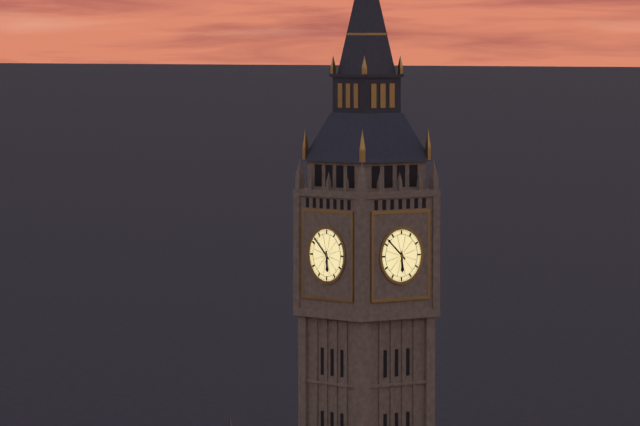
5:52
